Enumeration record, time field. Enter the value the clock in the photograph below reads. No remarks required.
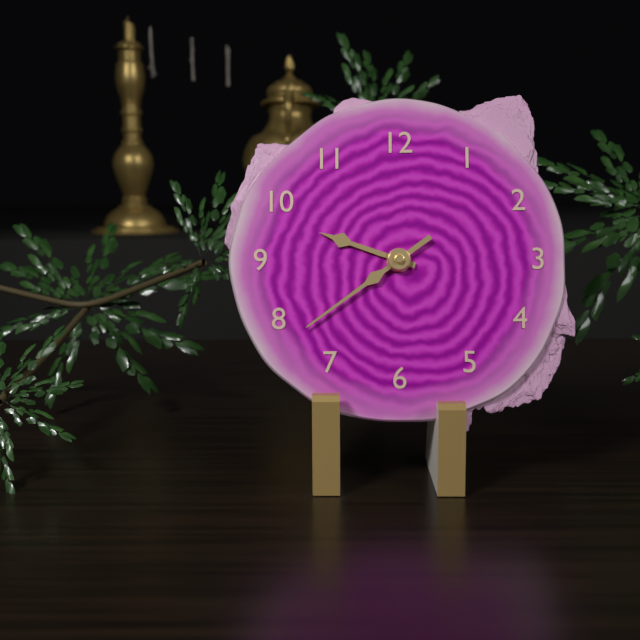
9:39
